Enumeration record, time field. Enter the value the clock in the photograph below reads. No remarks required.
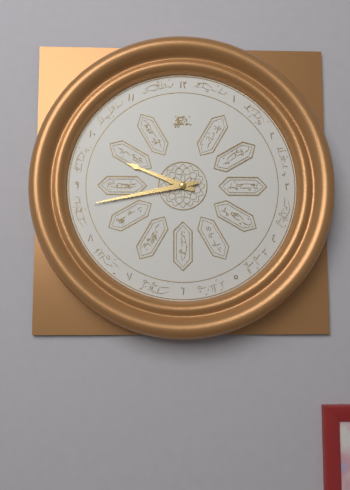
9:43
